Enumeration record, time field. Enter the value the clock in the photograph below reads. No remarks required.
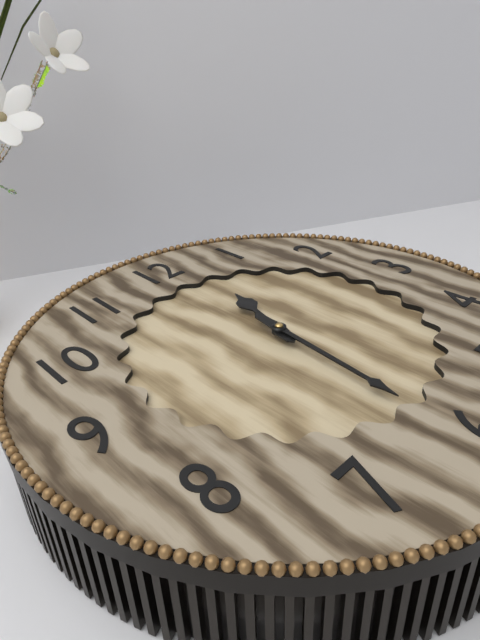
12:31
